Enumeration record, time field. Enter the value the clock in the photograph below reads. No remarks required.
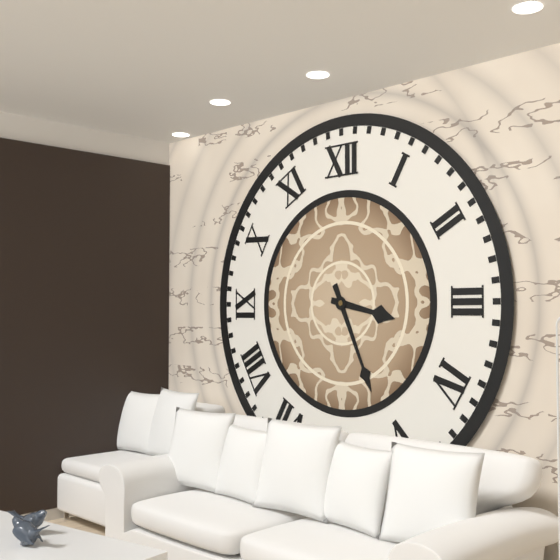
3:26
